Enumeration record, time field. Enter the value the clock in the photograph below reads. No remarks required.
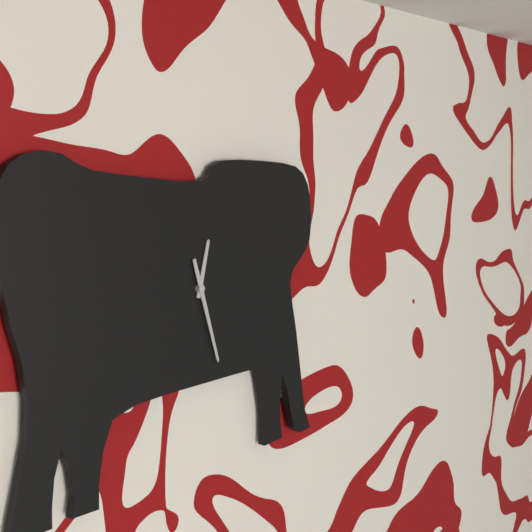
12:27
